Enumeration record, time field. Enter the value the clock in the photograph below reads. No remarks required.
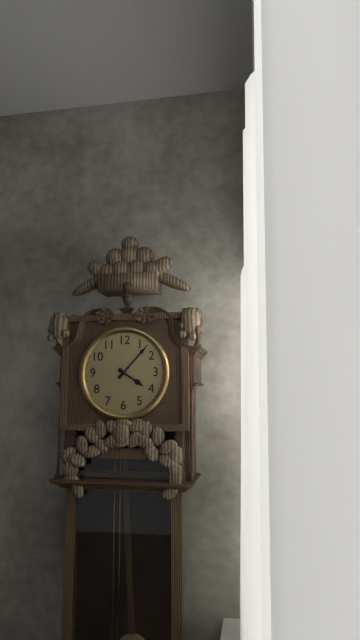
4:07
